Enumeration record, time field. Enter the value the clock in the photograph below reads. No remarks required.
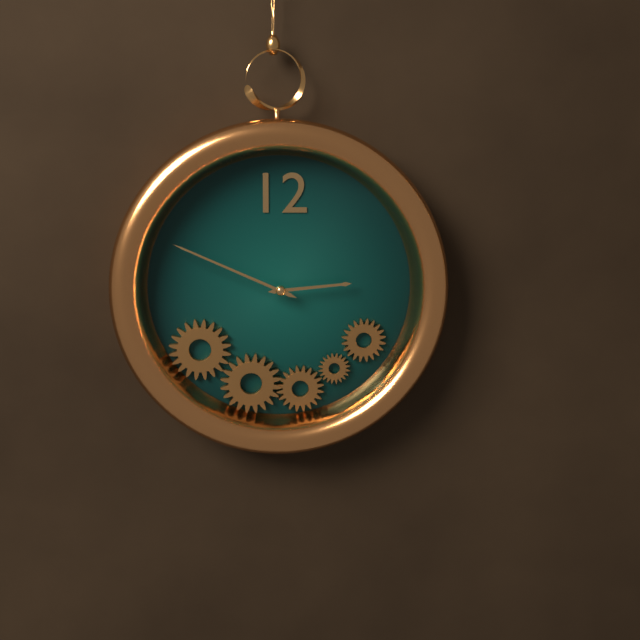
2:49
